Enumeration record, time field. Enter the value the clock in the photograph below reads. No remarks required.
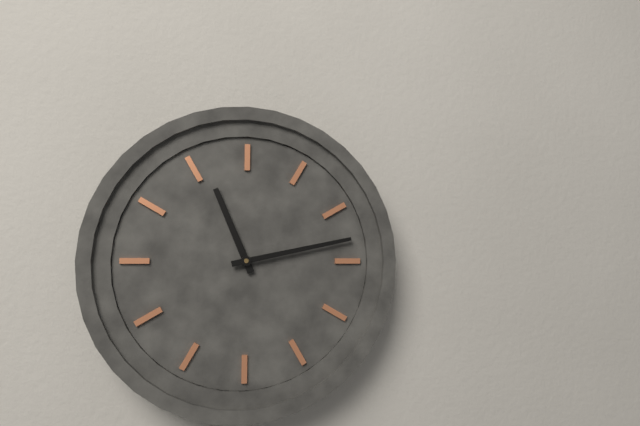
11:13
